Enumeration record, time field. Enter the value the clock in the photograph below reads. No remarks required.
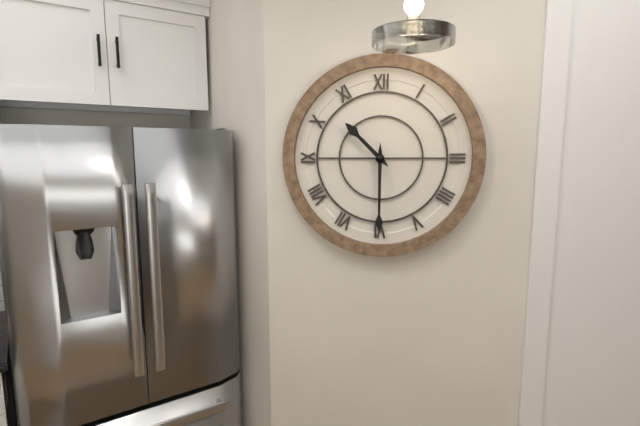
10:30
